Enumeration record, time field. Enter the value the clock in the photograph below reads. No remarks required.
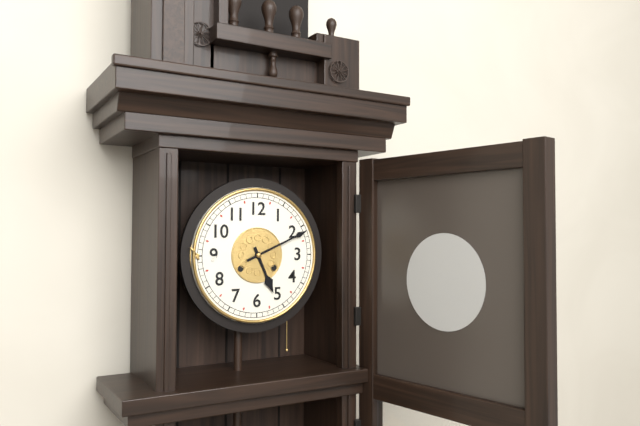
5:11
